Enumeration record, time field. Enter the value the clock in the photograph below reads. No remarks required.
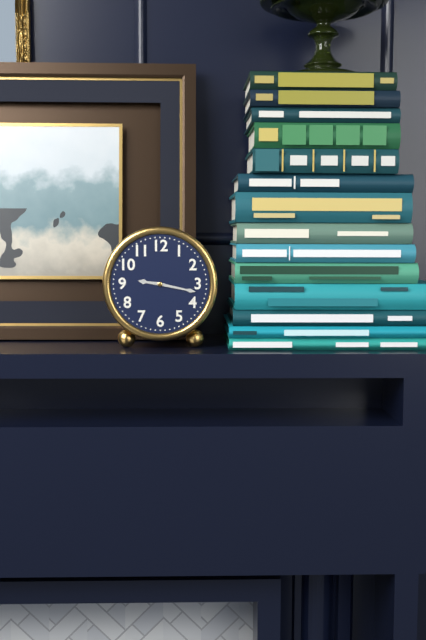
9:17
